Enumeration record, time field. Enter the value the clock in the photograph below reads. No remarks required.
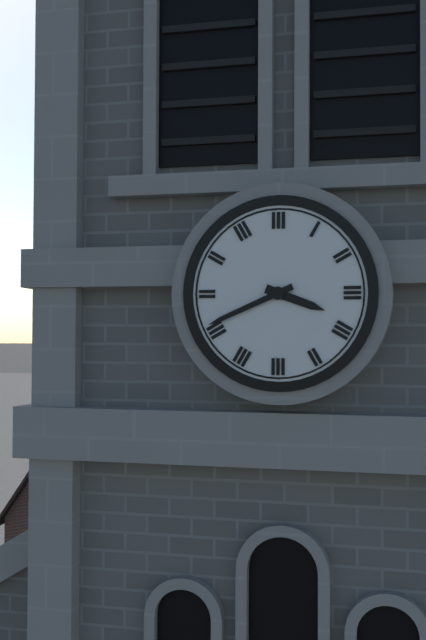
3:41
